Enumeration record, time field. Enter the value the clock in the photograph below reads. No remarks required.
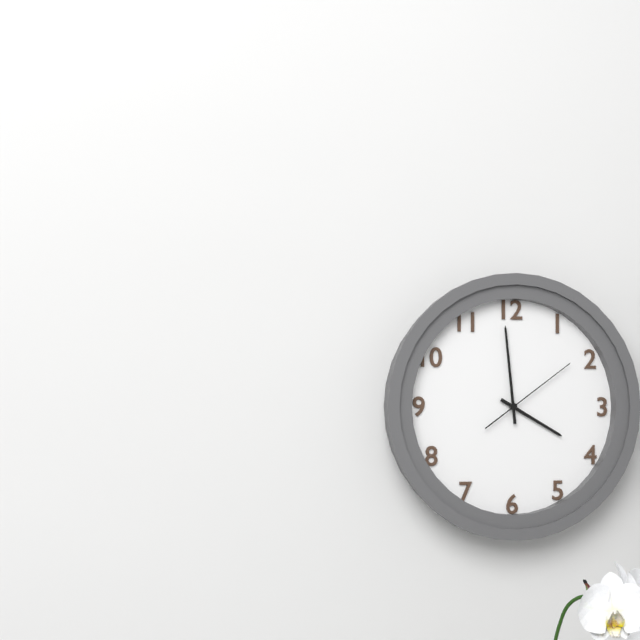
3:59:09
